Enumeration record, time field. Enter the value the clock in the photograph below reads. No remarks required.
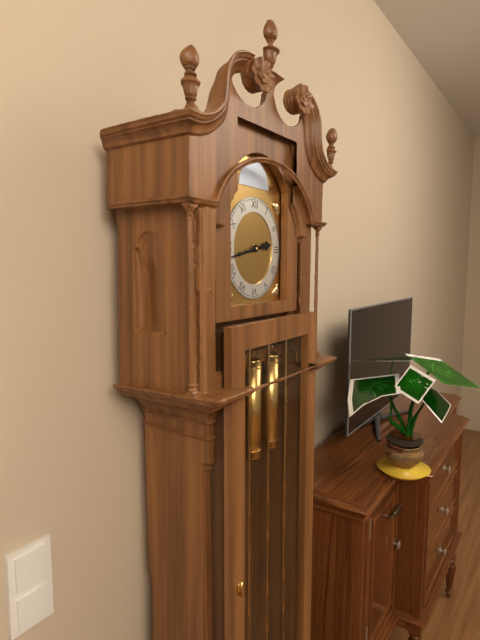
2:43
